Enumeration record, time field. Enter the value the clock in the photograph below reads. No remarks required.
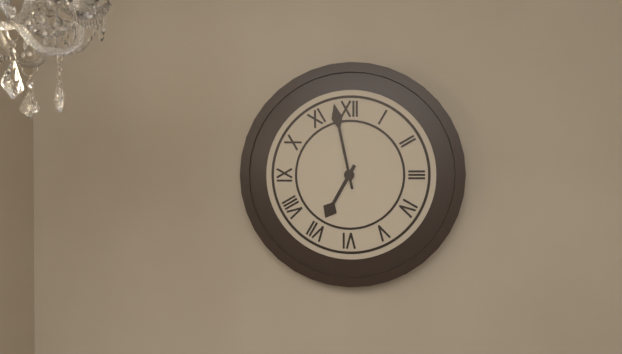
6:58
